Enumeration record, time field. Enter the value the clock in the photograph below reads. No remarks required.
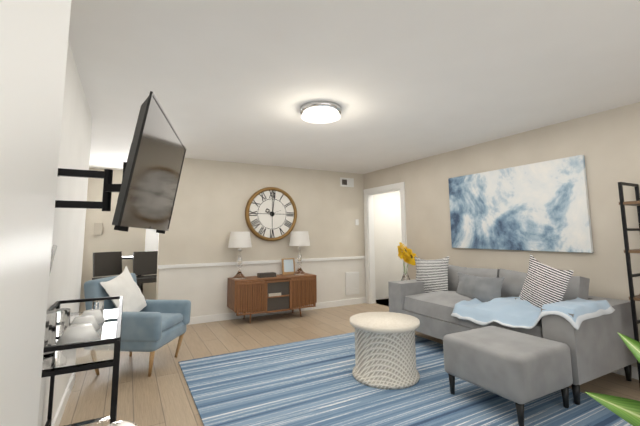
10:01
